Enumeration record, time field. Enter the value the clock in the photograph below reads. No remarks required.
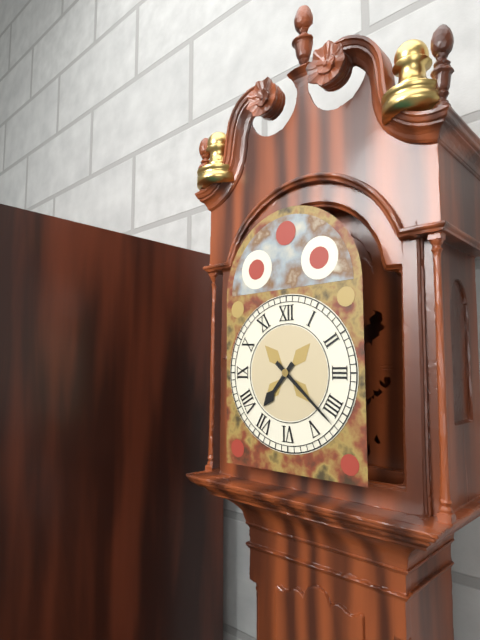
7:22
